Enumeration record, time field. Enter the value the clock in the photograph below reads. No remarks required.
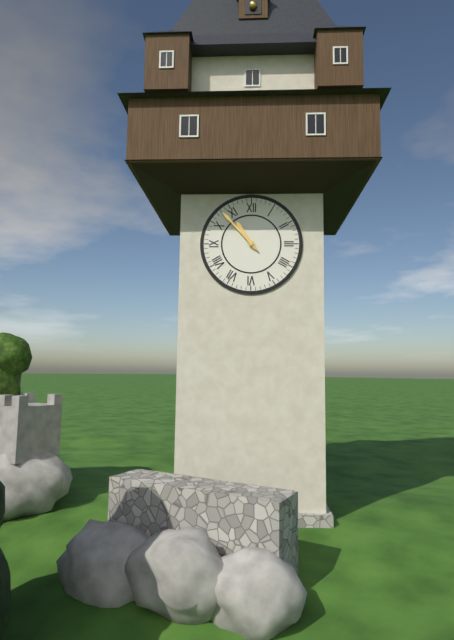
10:53
